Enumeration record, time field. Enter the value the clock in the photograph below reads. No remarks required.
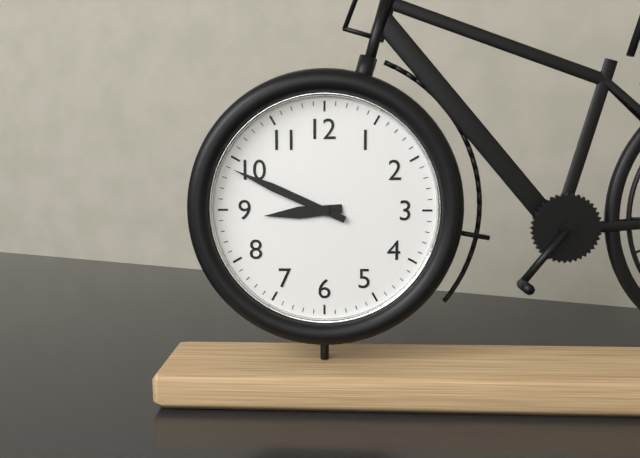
8:49
